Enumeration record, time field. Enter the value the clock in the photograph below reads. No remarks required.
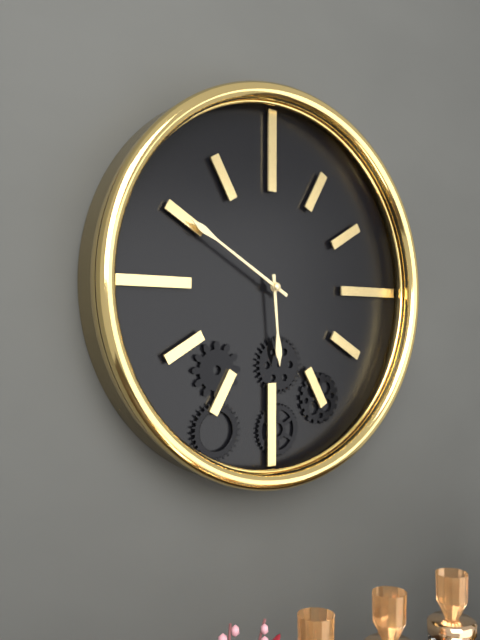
5:50
